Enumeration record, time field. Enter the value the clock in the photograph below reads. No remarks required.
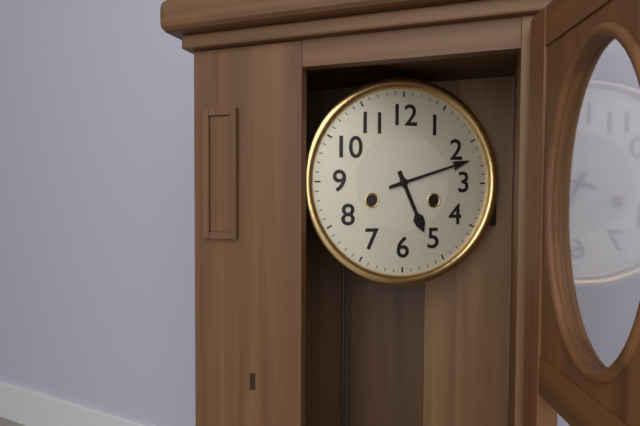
5:12
